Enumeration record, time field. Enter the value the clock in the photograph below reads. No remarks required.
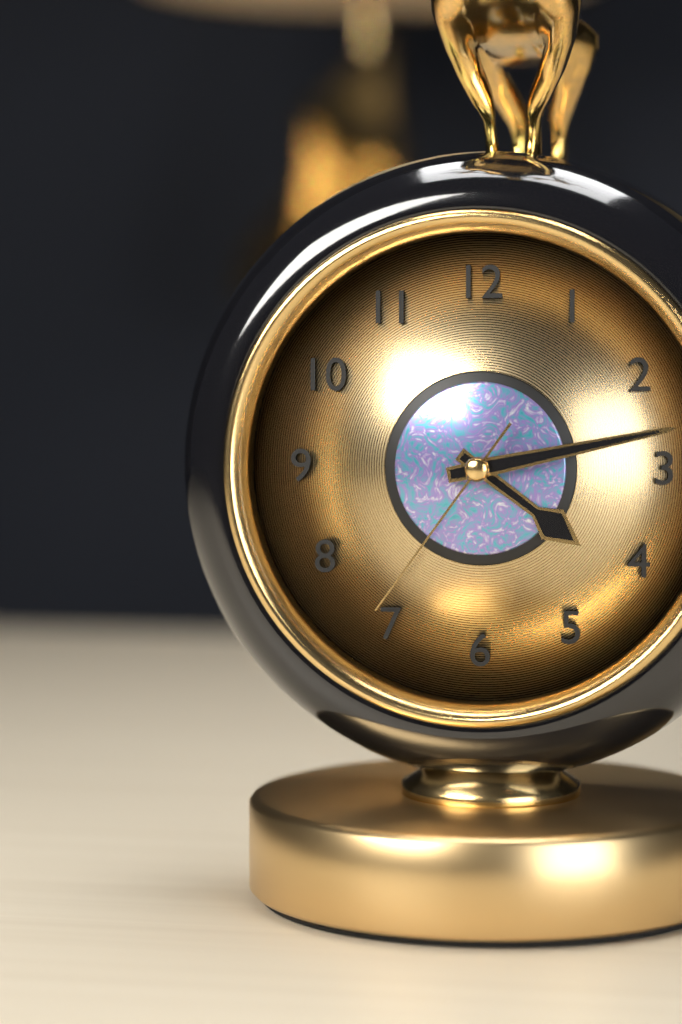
4:13:36
